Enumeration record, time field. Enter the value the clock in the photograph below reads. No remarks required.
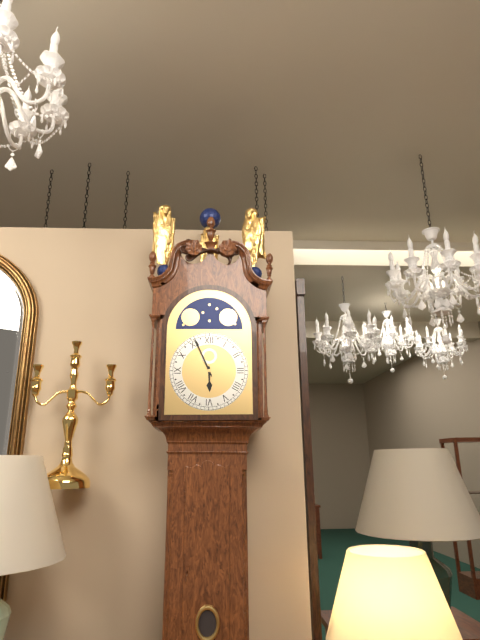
5:56
